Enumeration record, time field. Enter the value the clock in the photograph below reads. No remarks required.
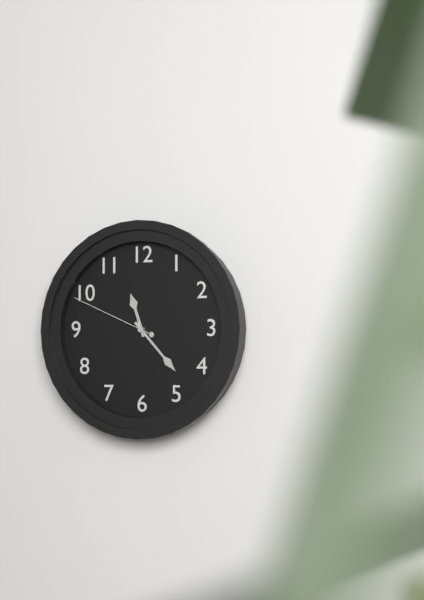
11:23:49
